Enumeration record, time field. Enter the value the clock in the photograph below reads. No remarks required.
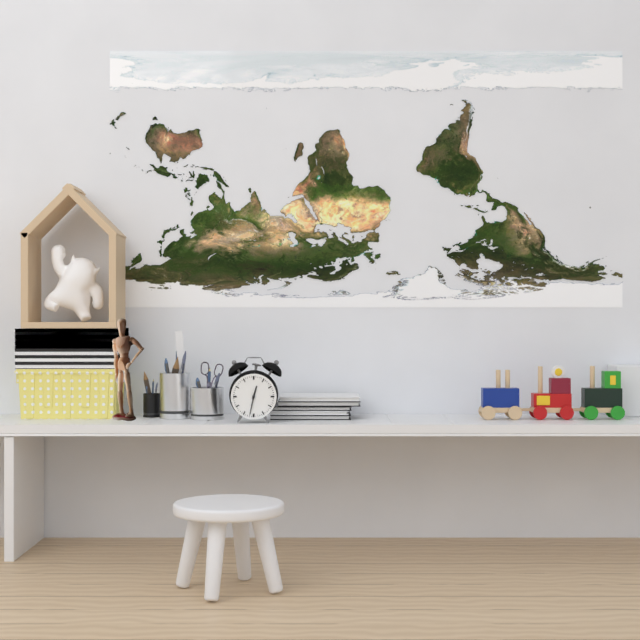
12:32
